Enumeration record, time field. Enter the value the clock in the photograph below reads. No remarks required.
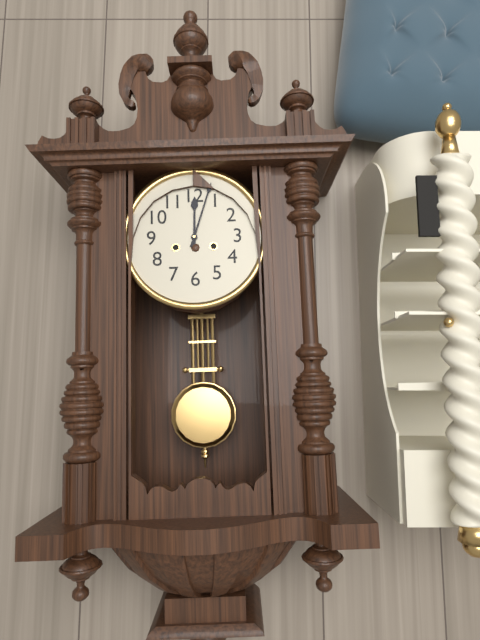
12:03
